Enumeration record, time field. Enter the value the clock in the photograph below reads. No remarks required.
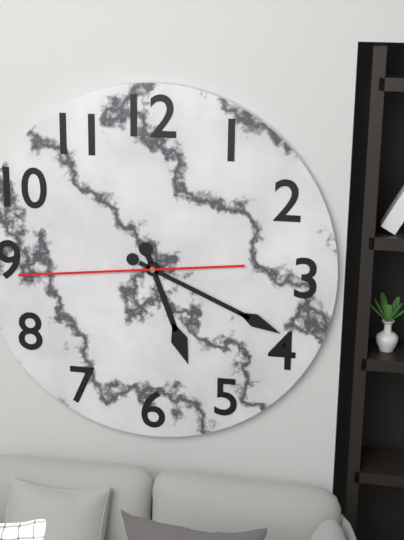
5:19:44
